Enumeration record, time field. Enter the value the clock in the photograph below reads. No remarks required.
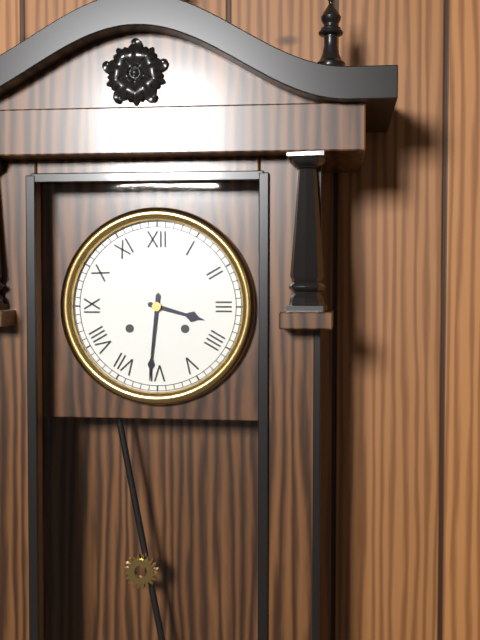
3:31
